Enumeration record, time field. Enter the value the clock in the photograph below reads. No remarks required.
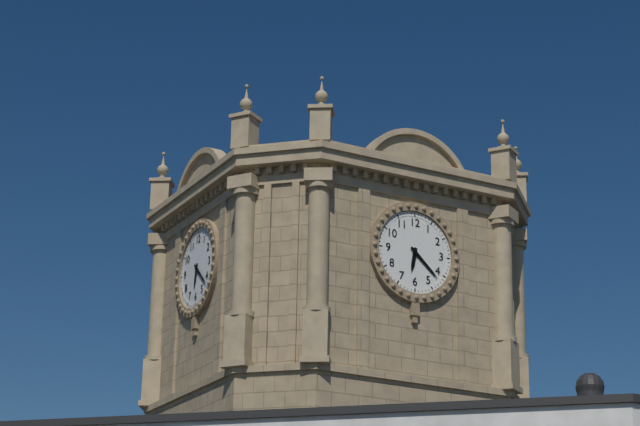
6:22
